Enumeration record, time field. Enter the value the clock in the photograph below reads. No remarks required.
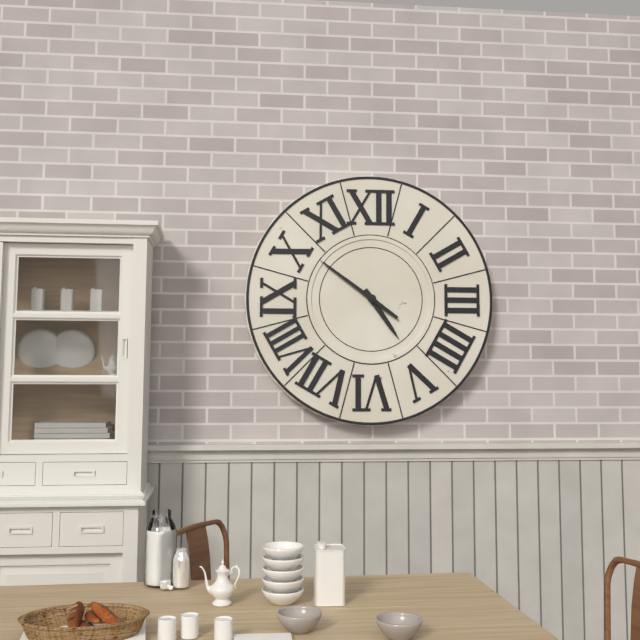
4:51
